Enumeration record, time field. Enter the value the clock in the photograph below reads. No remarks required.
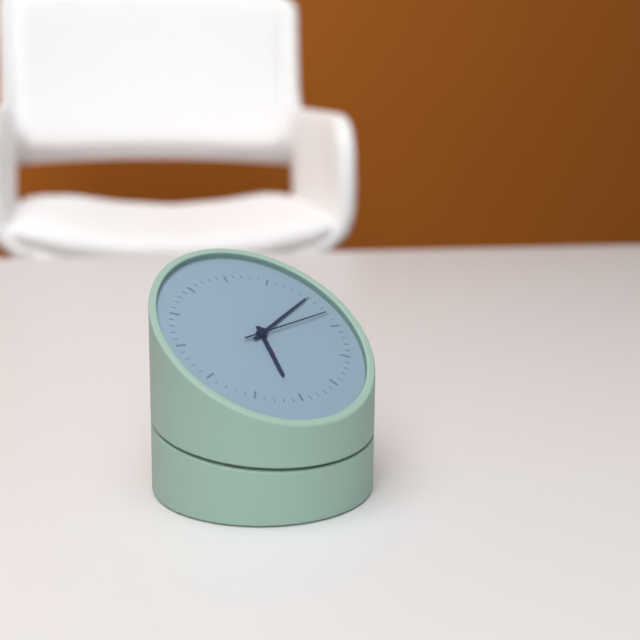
6:10:13
